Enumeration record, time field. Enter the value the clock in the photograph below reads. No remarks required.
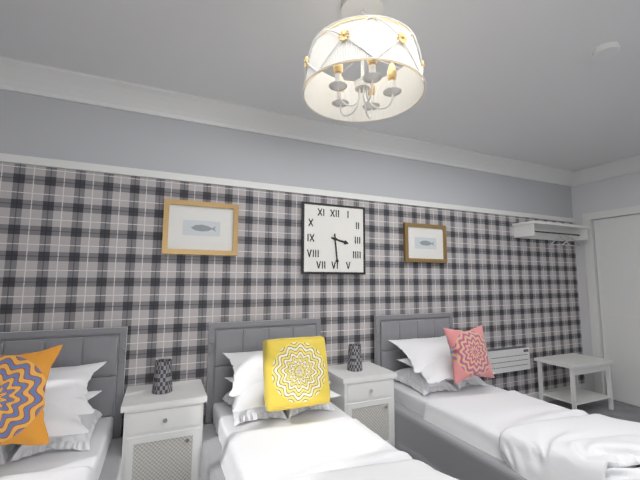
3:29
